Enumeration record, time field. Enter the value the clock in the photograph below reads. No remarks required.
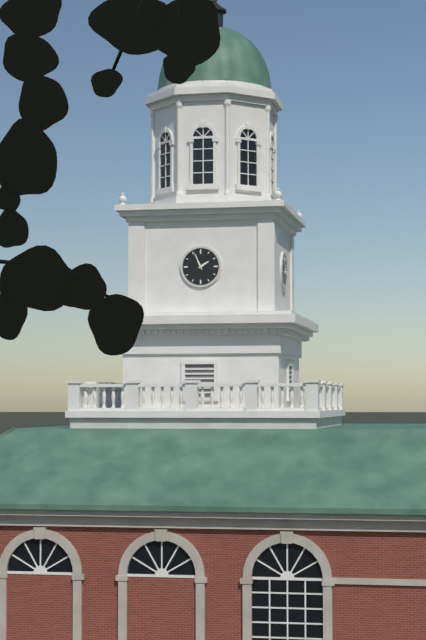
1:56
